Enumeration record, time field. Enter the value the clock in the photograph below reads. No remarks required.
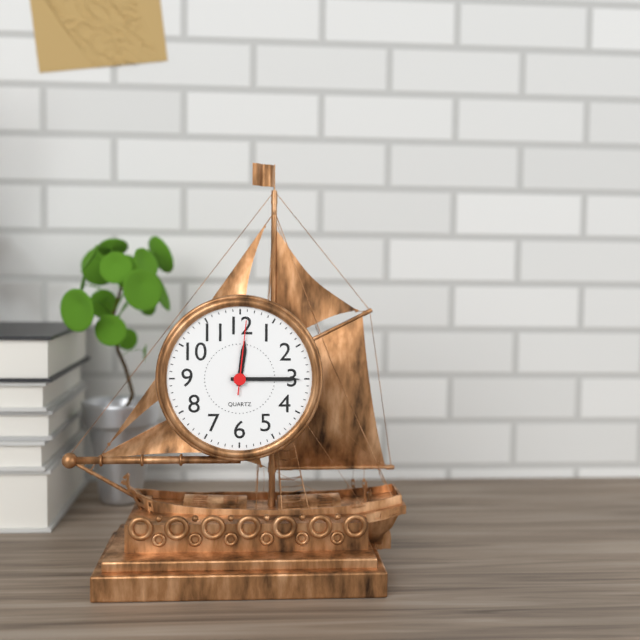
12:15:01
